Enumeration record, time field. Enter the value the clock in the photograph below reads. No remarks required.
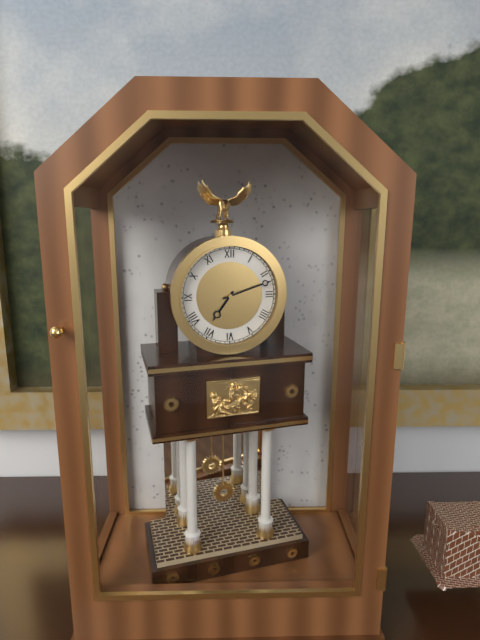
7:12
